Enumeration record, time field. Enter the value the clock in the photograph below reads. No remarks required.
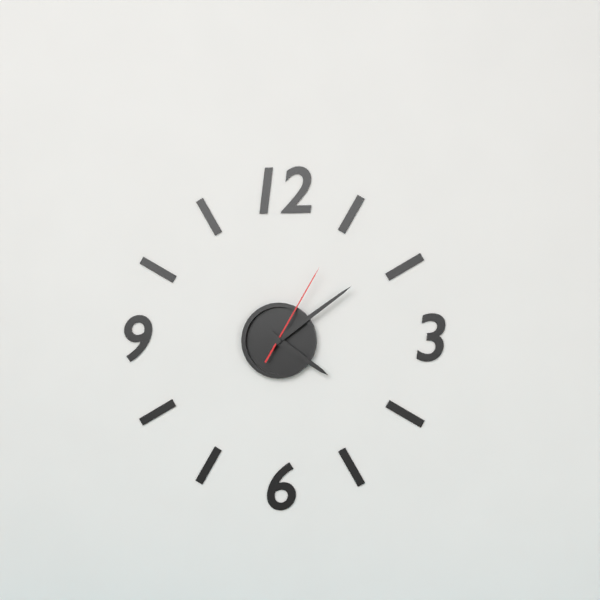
4:09:05
